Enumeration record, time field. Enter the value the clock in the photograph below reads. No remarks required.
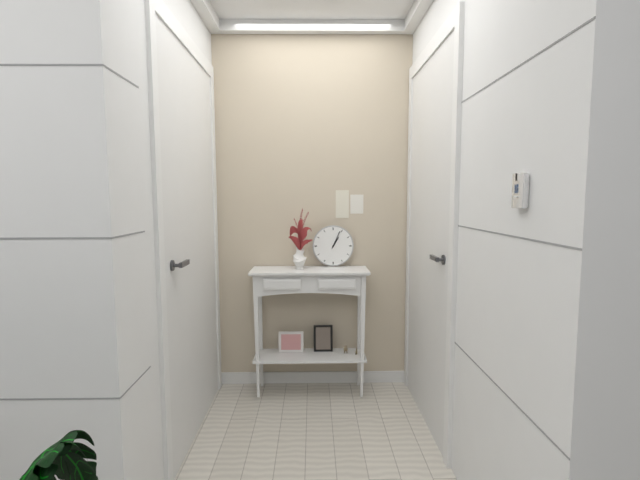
1:04
